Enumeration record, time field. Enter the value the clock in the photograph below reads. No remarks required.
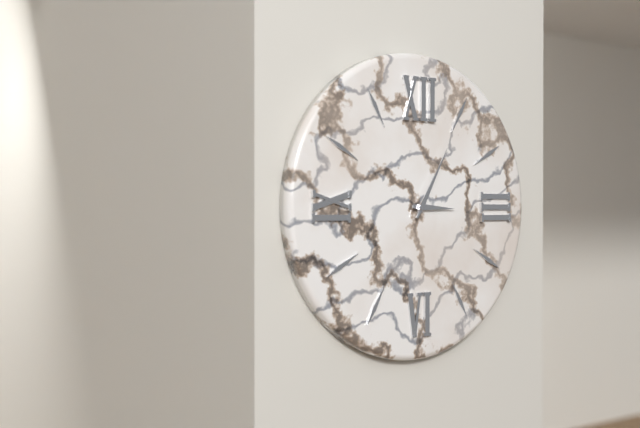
3:05
